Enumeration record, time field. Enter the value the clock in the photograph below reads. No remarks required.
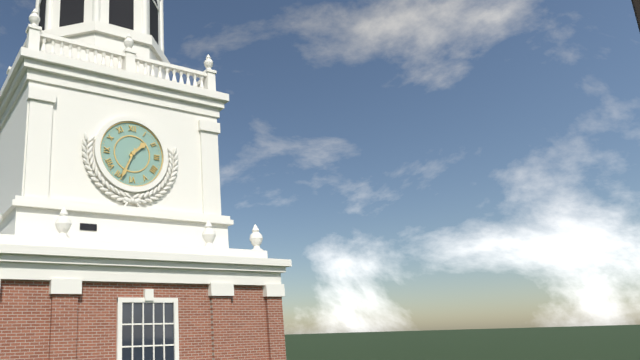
1:34
